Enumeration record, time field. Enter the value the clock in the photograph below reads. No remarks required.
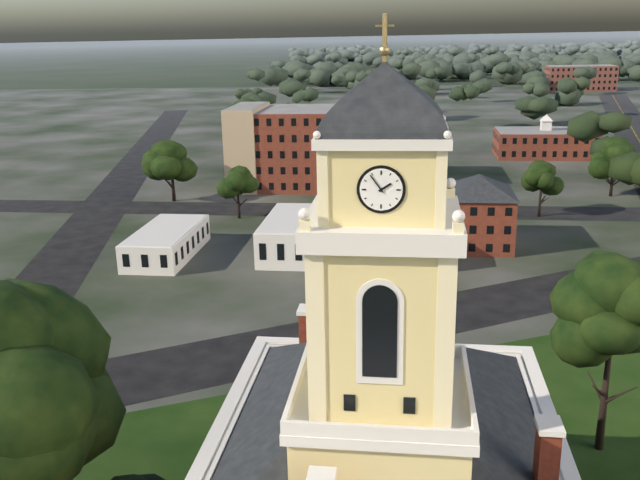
1:54
